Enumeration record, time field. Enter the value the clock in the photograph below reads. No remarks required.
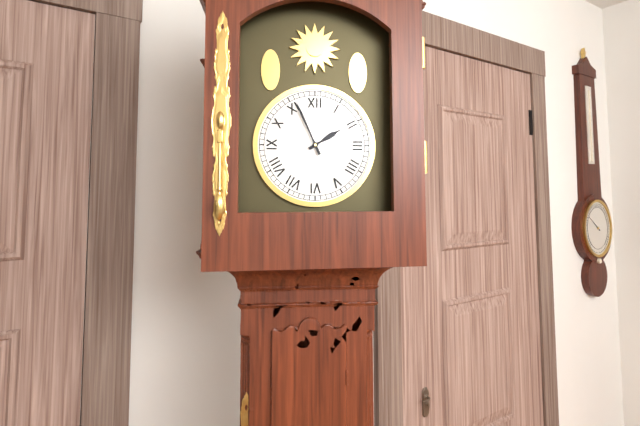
1:56
